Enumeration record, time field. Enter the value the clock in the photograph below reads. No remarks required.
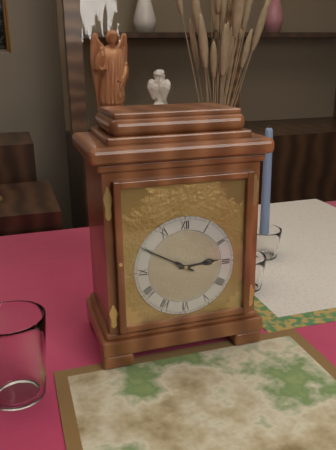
2:50
